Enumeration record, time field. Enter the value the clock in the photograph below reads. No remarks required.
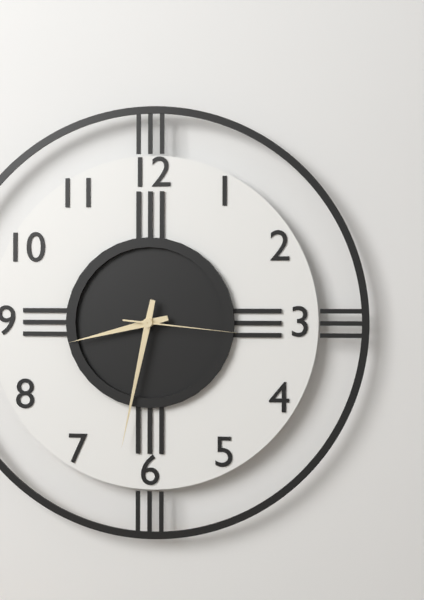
8:32:16
